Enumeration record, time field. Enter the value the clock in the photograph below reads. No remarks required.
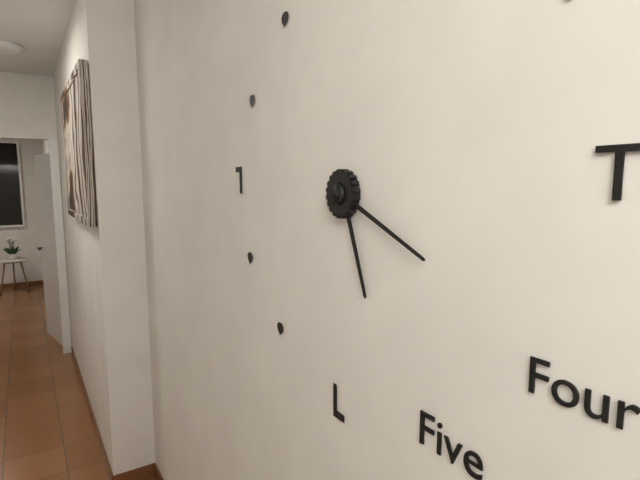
5:19
